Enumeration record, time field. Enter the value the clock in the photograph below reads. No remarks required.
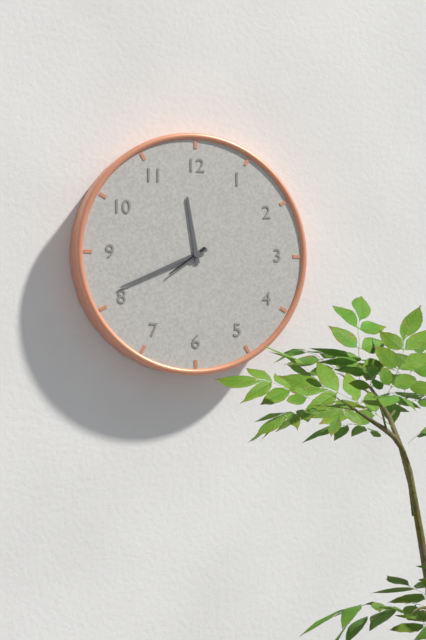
11:41
